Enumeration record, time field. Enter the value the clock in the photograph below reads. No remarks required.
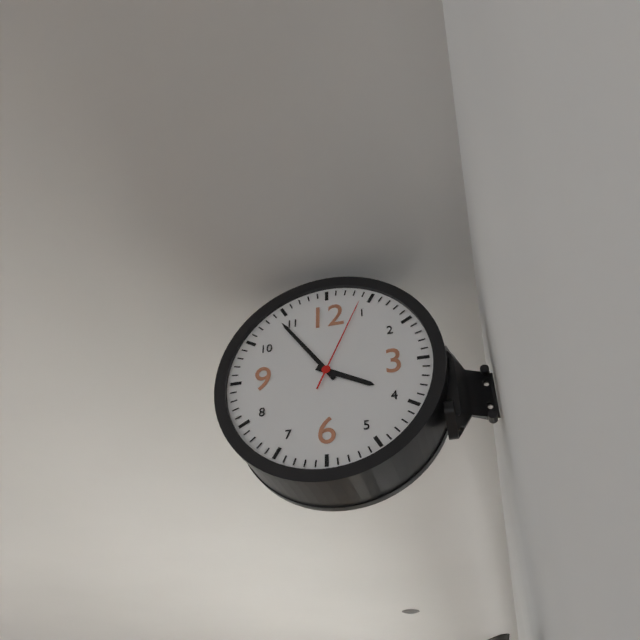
3:54:04
